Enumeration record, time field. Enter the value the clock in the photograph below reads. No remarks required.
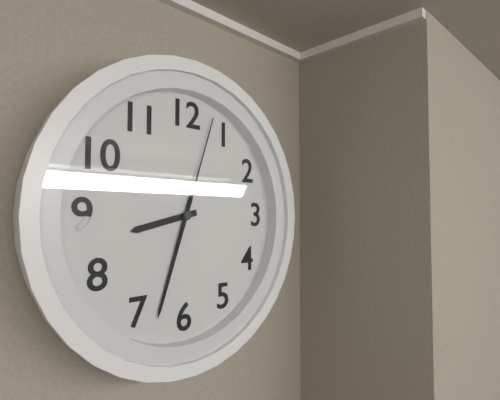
8:33:03
